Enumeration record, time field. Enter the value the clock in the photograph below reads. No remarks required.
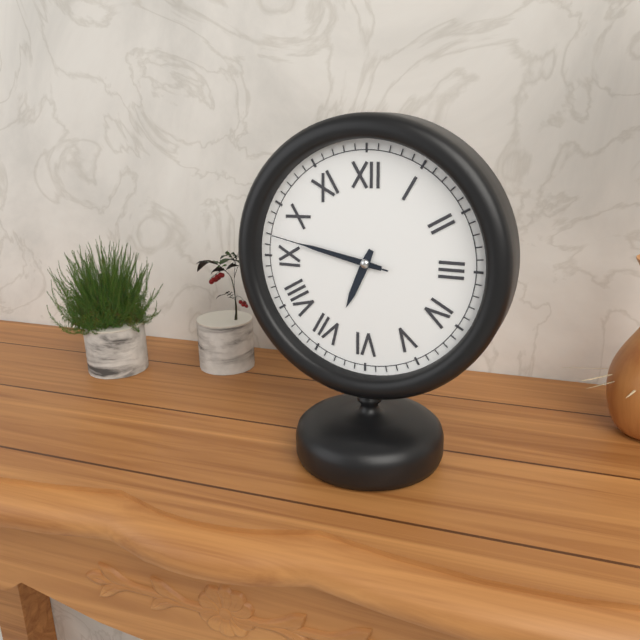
6:47:47
